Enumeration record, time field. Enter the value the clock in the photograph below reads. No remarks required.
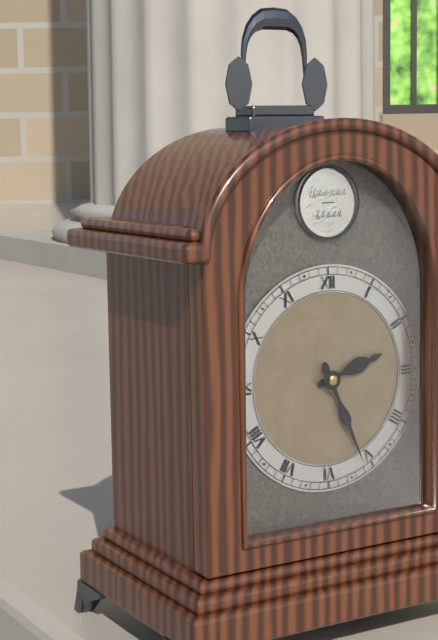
2:26
